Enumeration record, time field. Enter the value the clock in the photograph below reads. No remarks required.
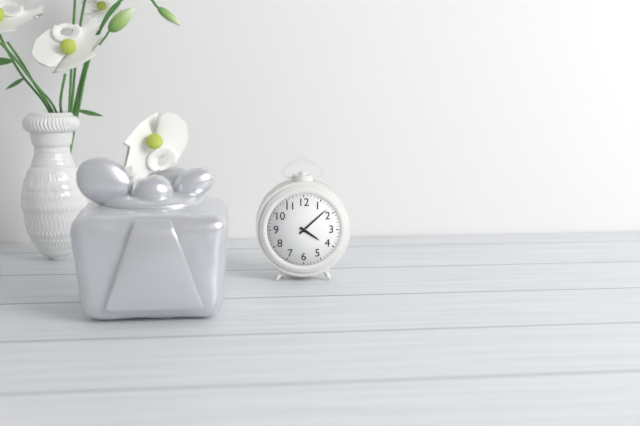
4:08
